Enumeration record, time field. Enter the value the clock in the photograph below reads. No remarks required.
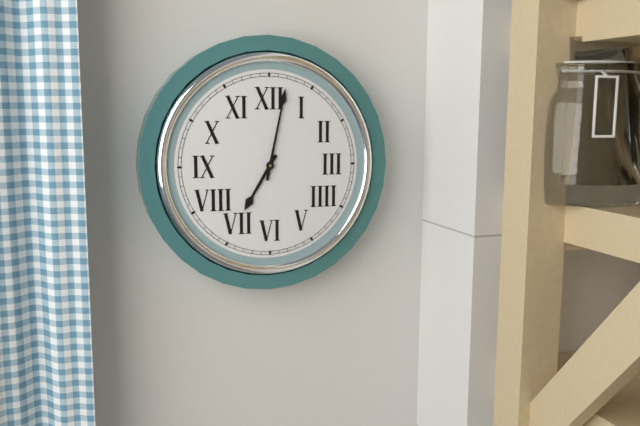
7:02
